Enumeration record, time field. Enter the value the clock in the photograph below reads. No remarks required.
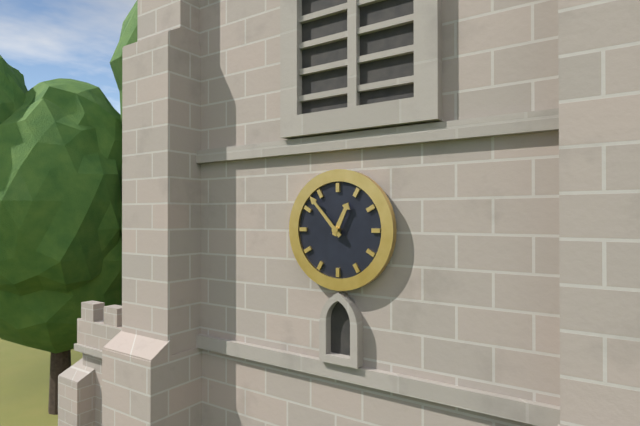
12:53
